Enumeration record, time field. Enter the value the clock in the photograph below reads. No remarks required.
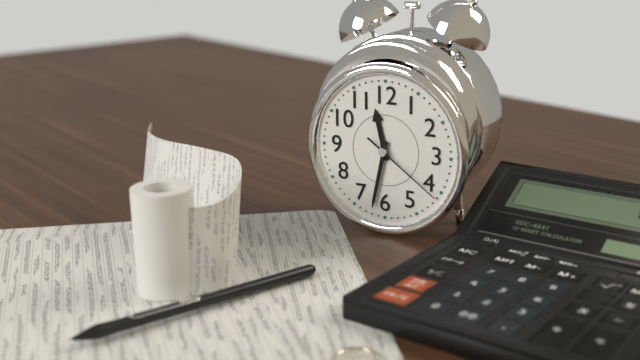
11:32:21
